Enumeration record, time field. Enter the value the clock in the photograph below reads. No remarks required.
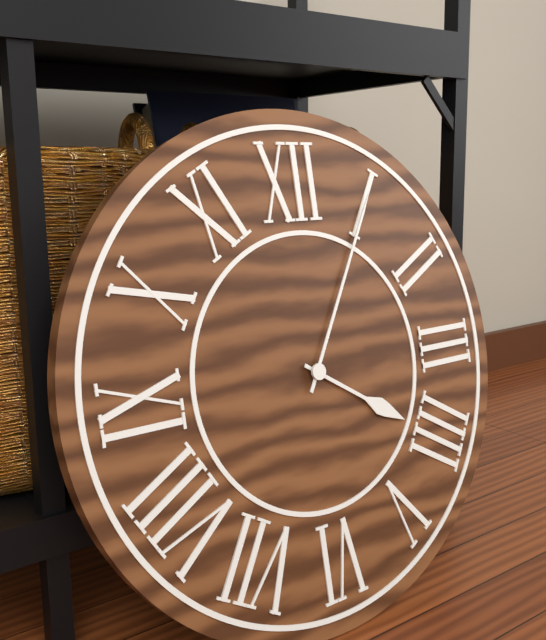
4:05
